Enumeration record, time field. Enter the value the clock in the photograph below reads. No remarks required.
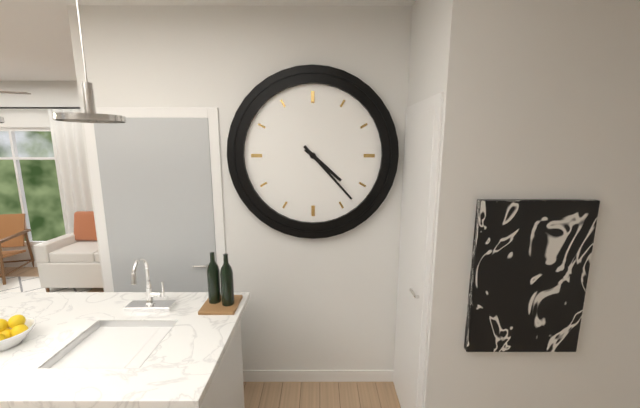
4:23
